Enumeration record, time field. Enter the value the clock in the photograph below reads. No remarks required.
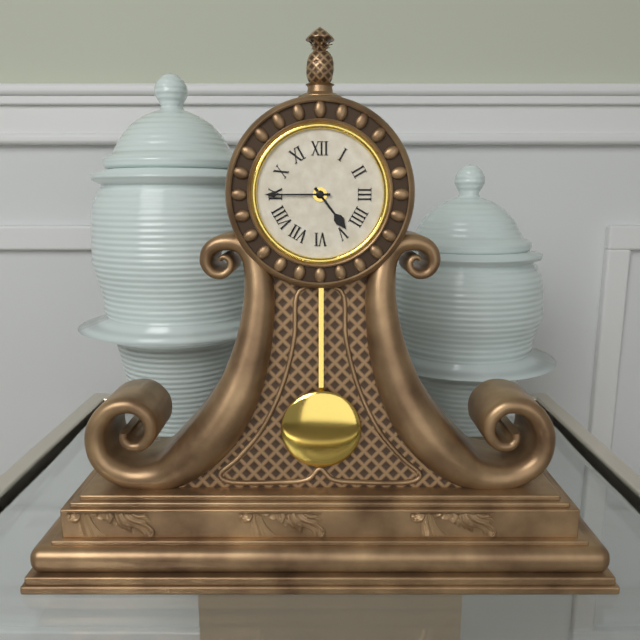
4:45
